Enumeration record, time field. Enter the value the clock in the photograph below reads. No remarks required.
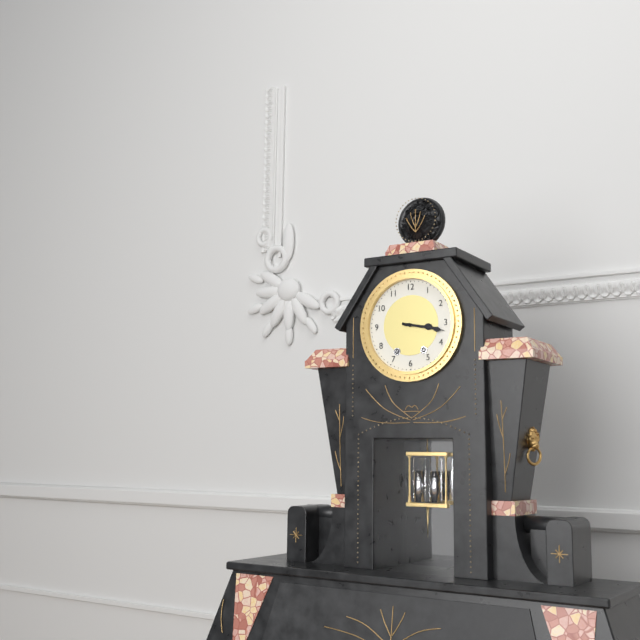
3:17
